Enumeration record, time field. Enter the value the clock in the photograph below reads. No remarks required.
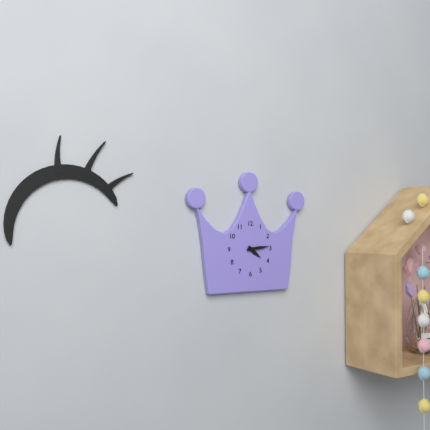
4:14
